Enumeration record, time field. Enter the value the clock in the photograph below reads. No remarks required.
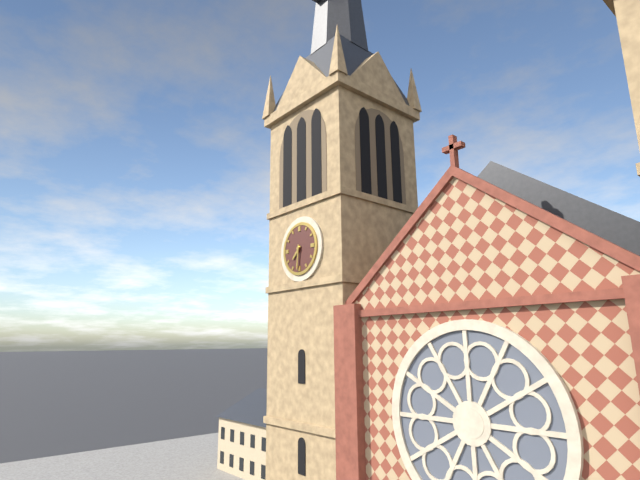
7:31
